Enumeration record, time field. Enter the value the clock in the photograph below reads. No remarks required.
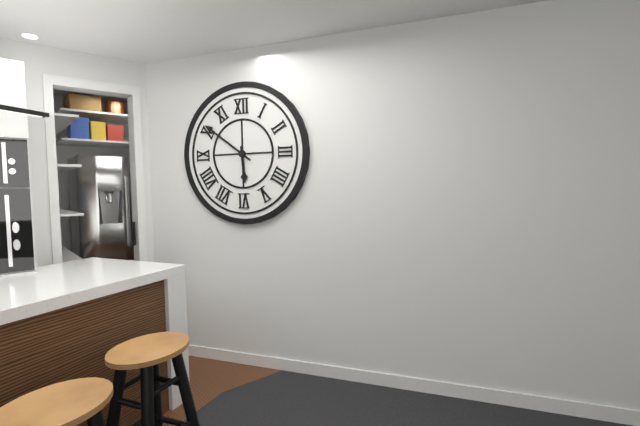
5:51
